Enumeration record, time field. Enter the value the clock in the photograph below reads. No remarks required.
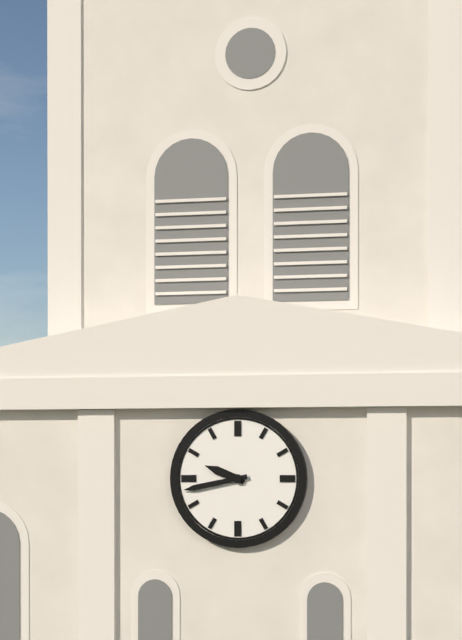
9:43
